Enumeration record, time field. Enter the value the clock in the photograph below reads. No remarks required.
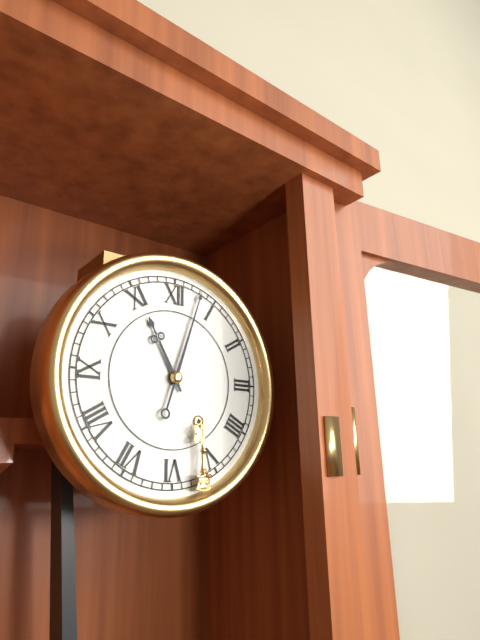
11:03
